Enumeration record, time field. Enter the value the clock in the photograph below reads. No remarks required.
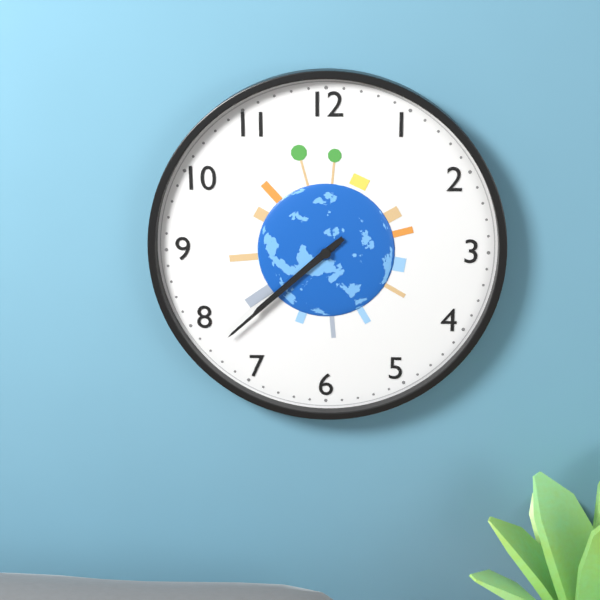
7:38
